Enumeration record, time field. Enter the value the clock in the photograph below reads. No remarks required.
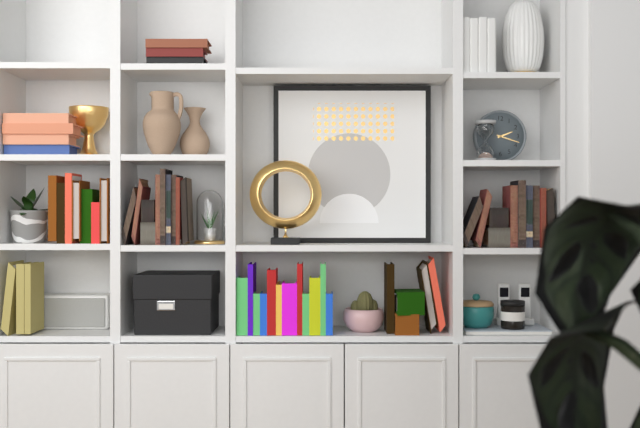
2:18
